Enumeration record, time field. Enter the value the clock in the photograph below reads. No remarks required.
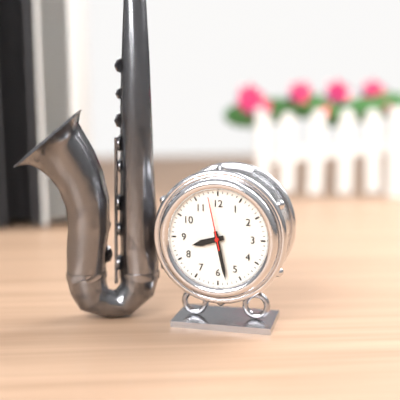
8:28:58
